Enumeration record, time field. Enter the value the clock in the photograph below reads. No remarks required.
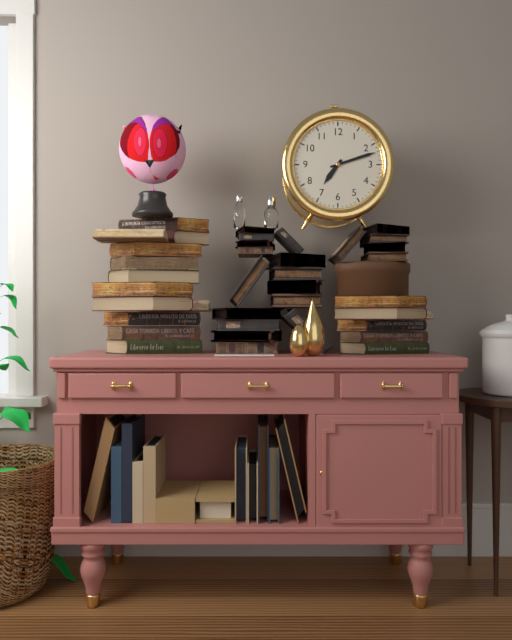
7:12
